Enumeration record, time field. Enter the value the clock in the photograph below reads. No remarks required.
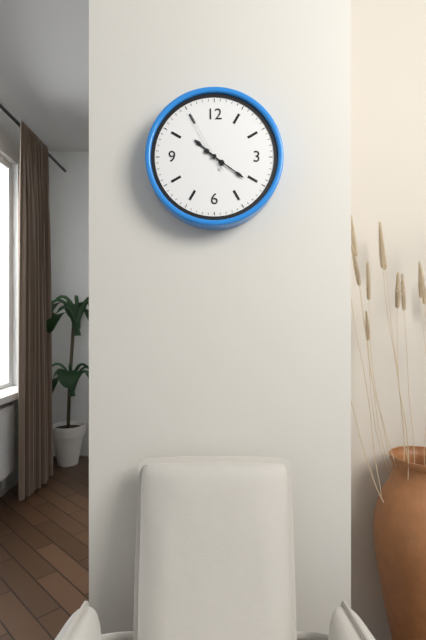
10:21:55
